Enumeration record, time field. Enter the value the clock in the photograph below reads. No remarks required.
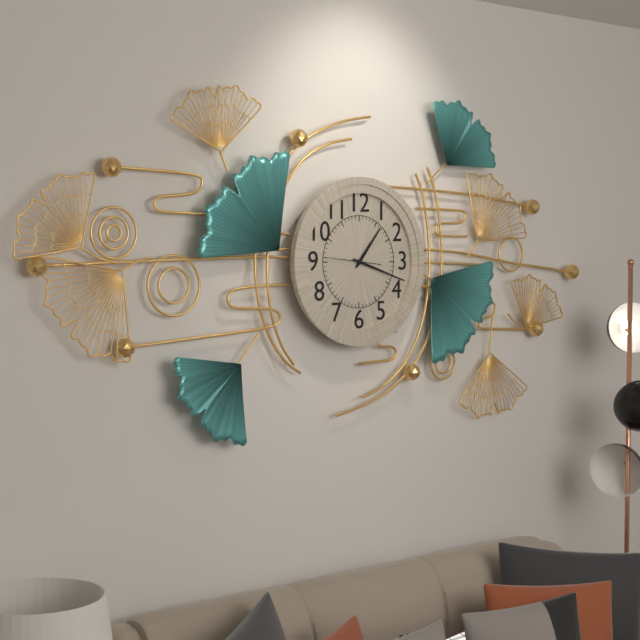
1:18
